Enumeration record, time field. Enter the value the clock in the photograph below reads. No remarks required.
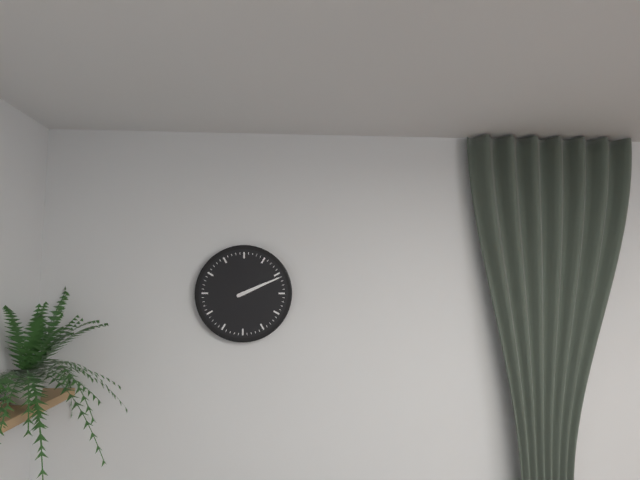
2:11
